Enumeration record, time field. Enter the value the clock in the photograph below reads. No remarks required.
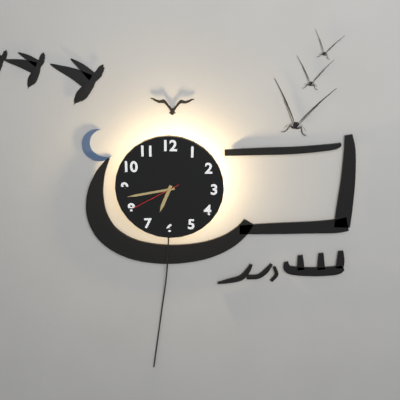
6:43:40
